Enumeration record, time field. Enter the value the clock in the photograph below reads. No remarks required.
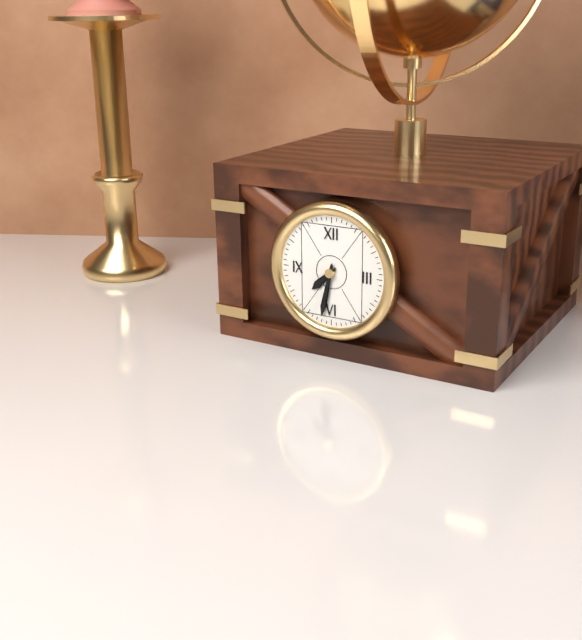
7:32
